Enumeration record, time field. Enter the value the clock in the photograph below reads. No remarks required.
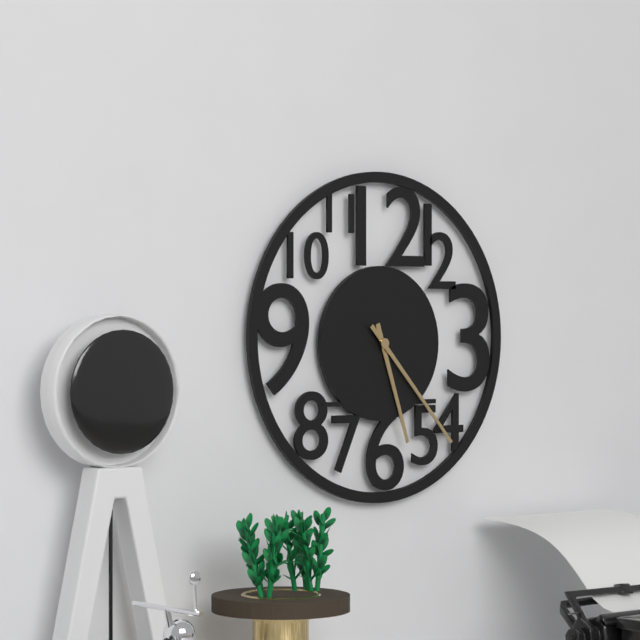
5:23
